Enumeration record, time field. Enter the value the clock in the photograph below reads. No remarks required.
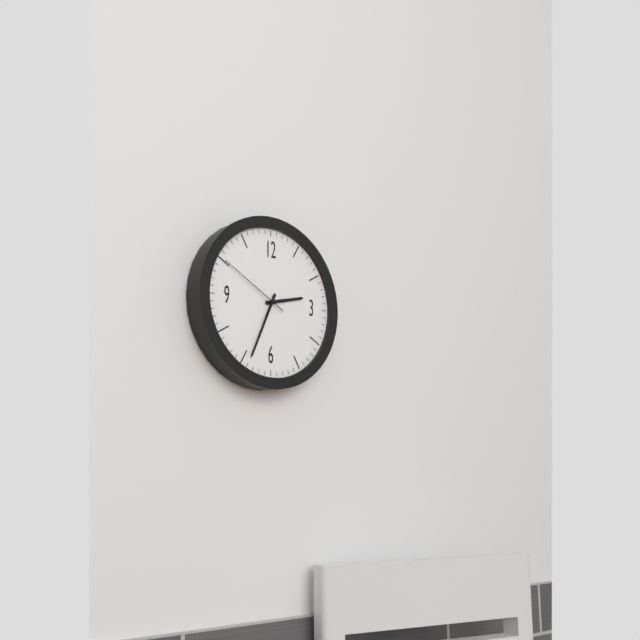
2:34:50
